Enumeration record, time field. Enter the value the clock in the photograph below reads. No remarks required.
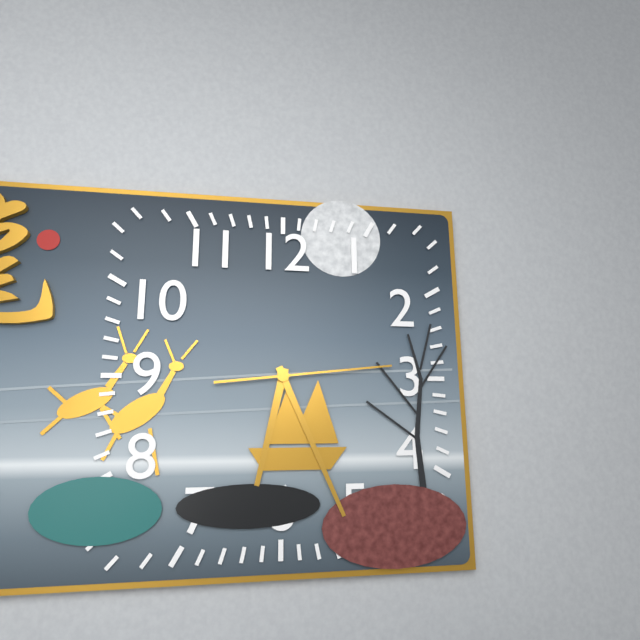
6:26:14
